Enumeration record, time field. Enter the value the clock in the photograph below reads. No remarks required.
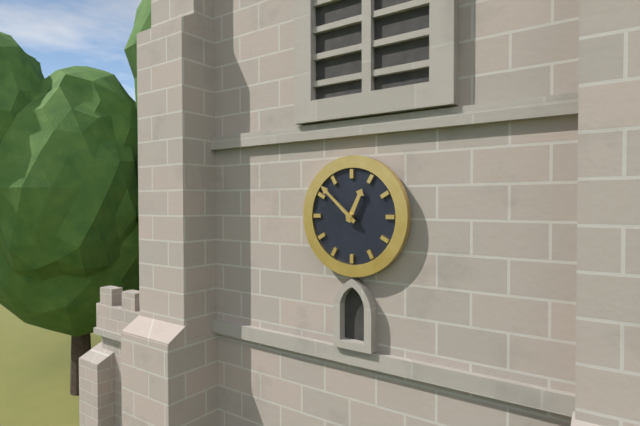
12:52
